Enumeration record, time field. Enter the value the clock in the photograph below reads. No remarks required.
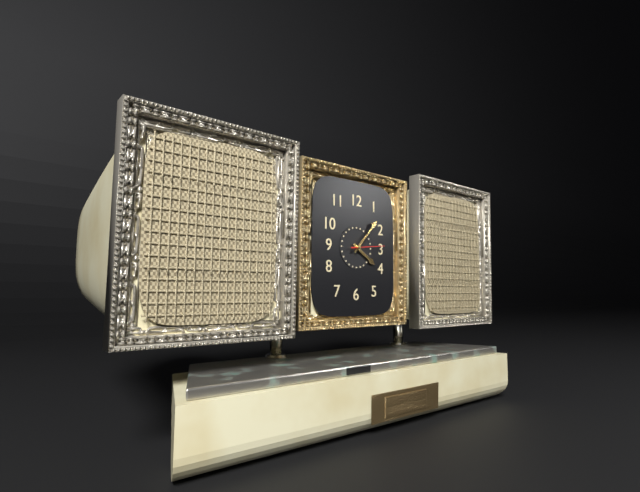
4:07
